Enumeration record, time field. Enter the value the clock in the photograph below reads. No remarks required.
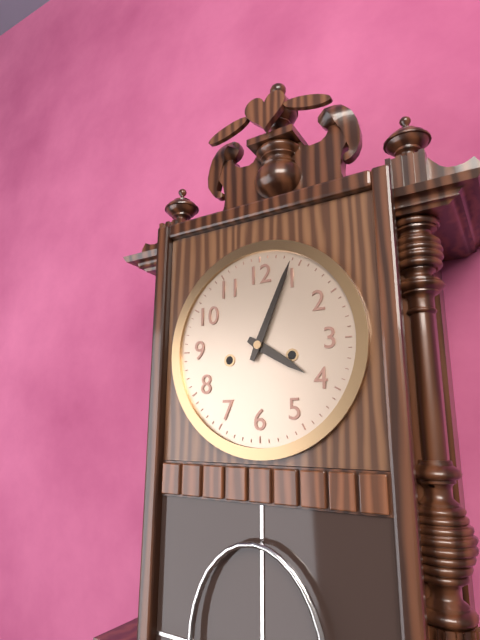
4:04
